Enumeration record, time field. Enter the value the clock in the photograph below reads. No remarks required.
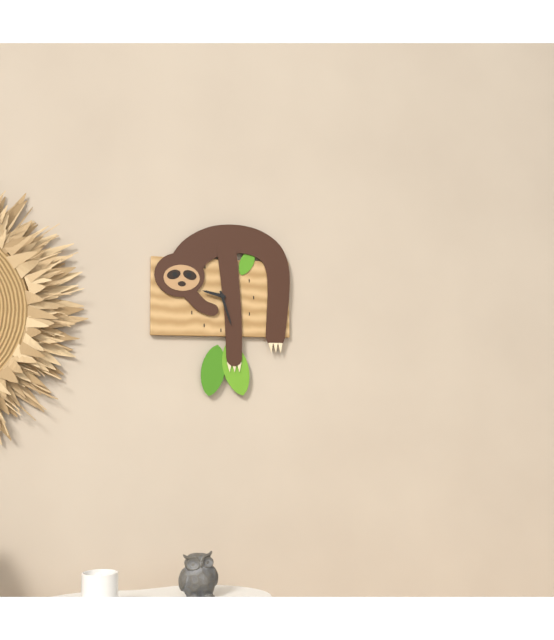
9:27
